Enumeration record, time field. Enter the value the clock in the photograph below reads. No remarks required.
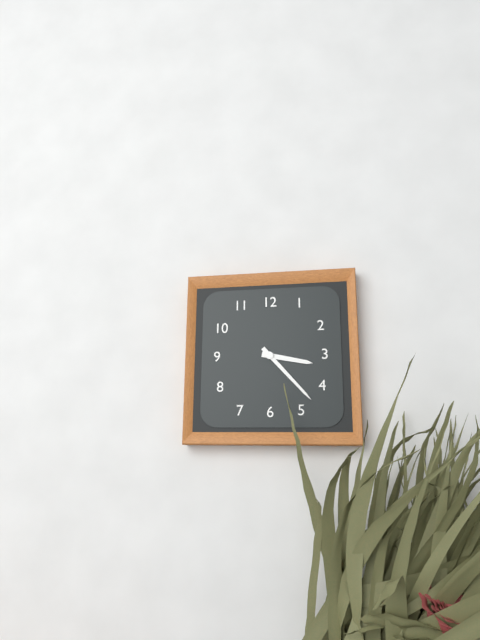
3:23
